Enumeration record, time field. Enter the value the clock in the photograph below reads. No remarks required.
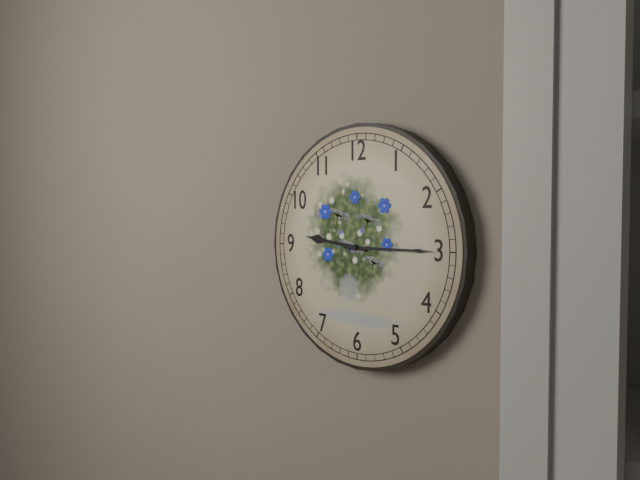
9:15
